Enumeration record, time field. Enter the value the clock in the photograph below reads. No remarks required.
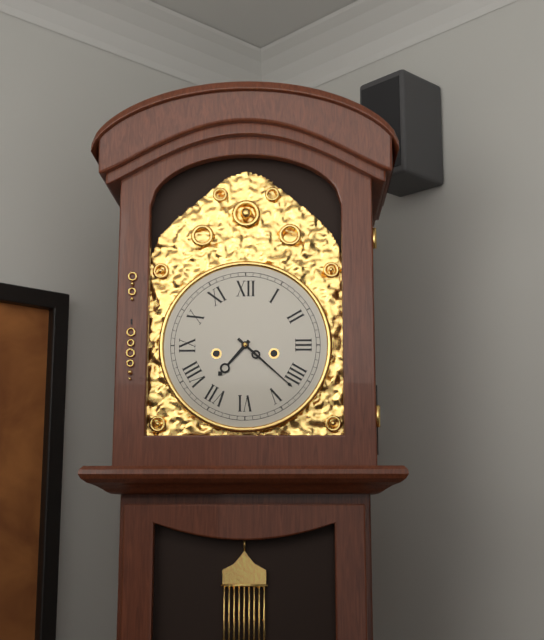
7:22
